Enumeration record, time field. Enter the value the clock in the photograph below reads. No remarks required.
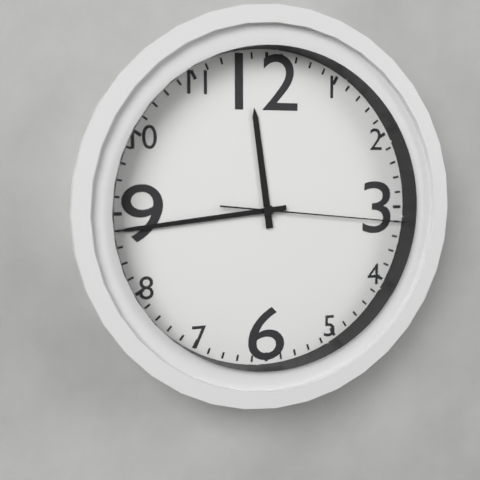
11:44:16
